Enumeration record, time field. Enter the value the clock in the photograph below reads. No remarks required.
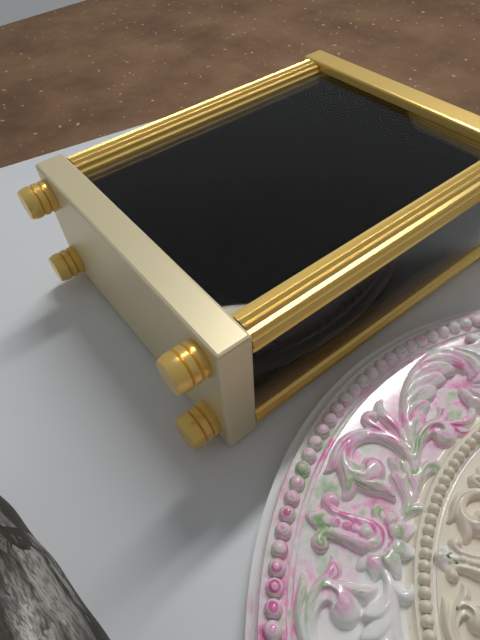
6:54
